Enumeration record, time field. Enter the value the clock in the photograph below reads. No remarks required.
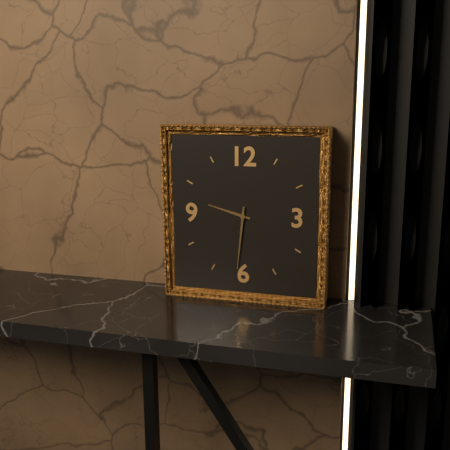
9:31
